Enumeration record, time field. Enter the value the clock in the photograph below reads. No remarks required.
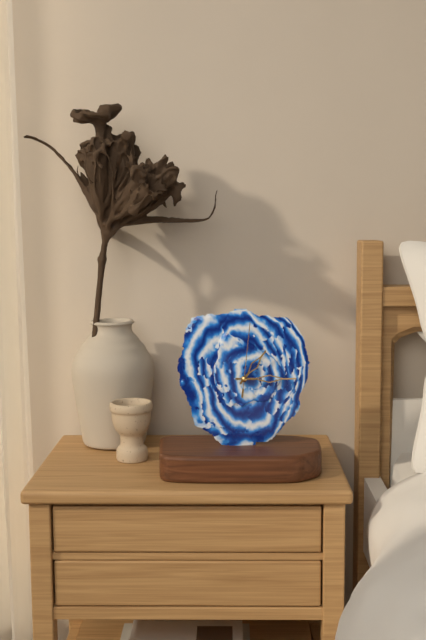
1:15:01
